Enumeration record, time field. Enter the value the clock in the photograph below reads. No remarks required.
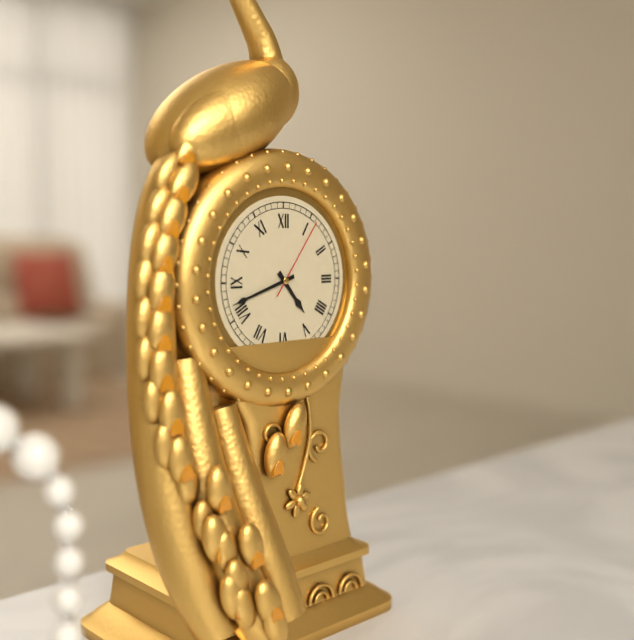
4:42:06
